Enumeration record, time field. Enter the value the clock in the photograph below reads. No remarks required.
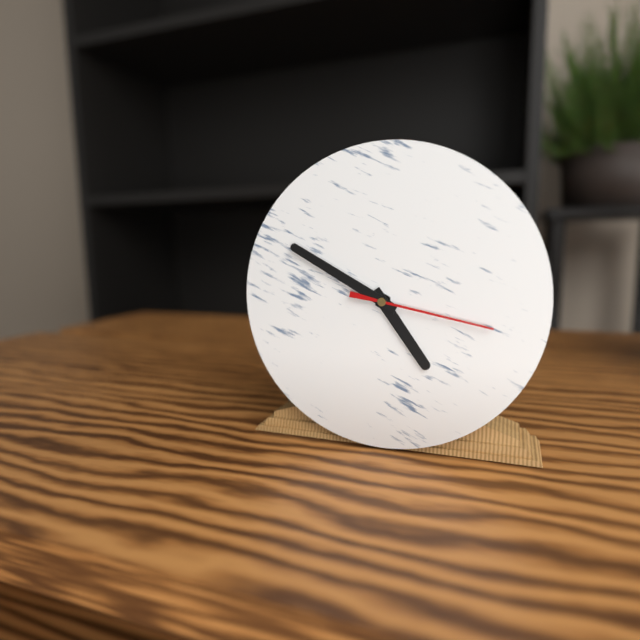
4:50:17
